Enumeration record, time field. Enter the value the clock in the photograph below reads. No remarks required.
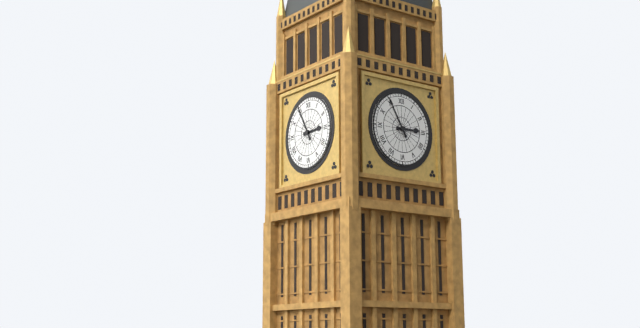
2:55
